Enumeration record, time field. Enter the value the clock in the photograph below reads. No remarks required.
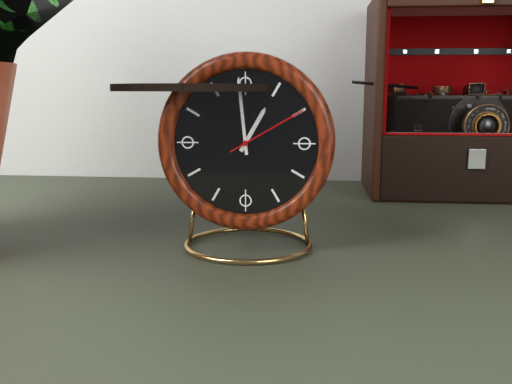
12:59:10
